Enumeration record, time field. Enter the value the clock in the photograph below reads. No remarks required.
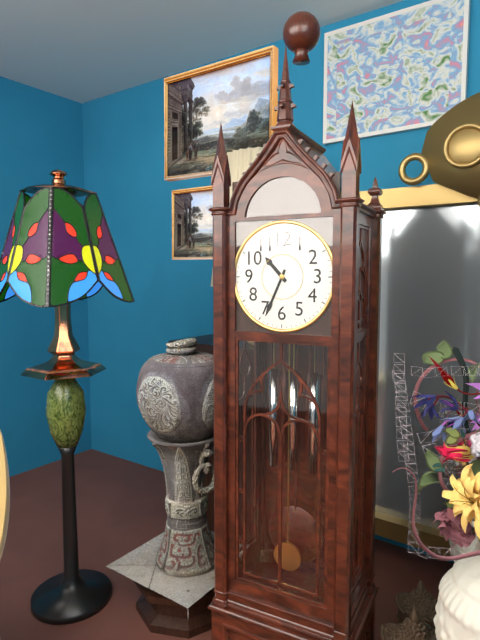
10:34
